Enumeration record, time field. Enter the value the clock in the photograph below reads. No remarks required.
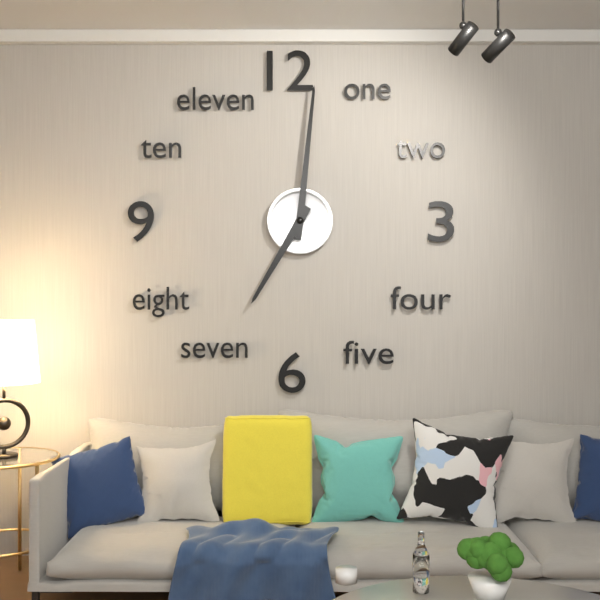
7:01
